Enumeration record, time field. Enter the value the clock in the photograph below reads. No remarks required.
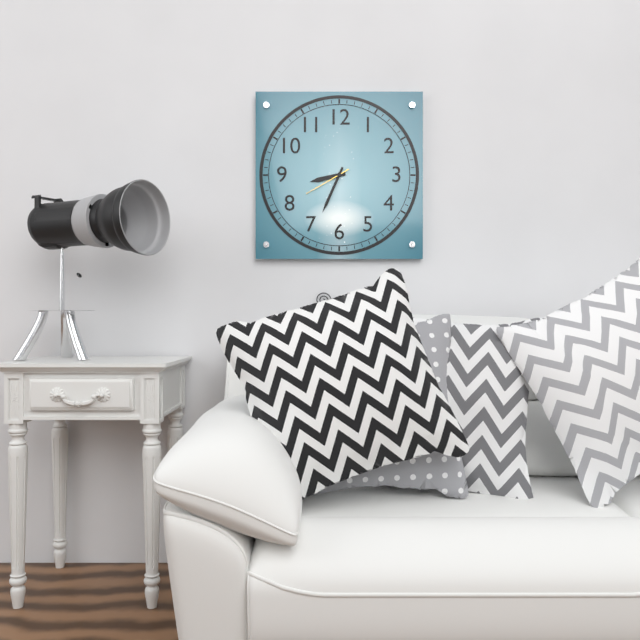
8:34
